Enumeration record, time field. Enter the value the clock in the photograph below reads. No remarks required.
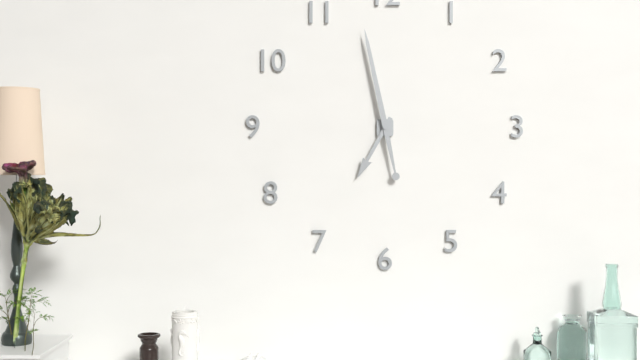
6:58
